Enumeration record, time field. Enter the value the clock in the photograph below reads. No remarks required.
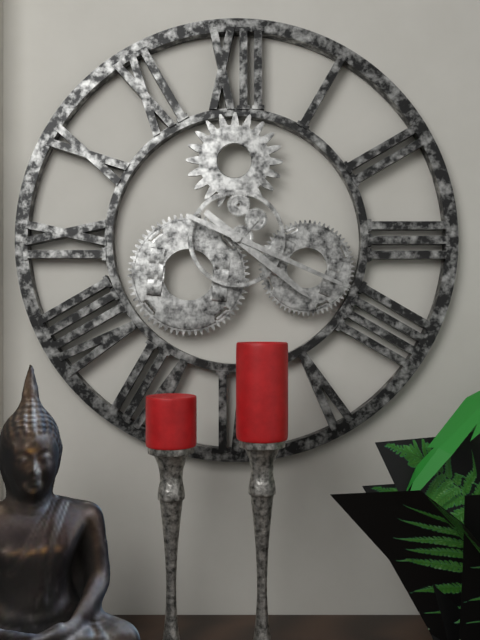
4:19
